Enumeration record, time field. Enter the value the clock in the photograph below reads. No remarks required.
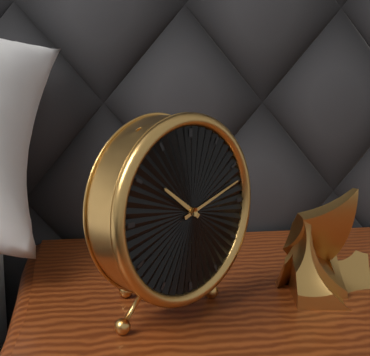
10:12
